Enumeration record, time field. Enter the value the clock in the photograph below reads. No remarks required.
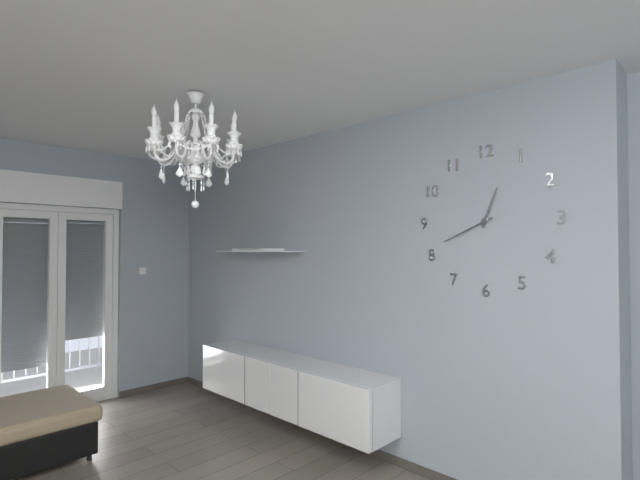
12:41
